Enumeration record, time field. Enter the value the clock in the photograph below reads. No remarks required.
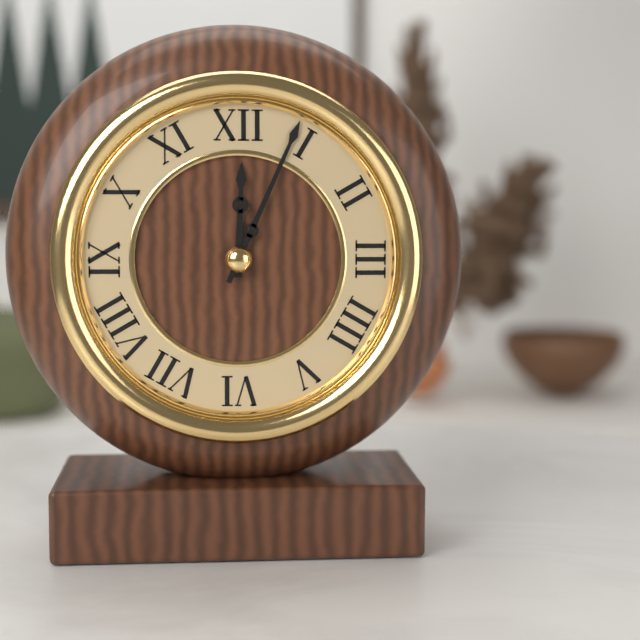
12:04
